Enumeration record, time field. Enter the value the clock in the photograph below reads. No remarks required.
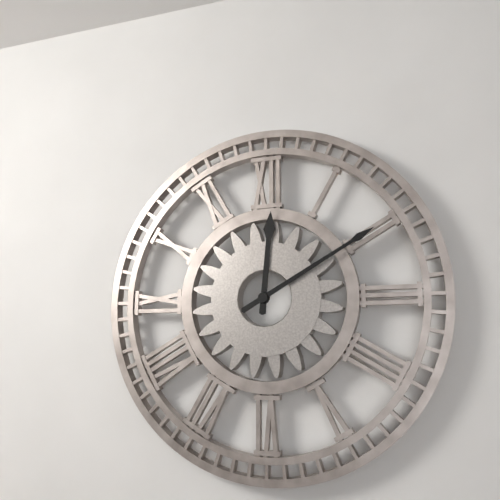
12:10
